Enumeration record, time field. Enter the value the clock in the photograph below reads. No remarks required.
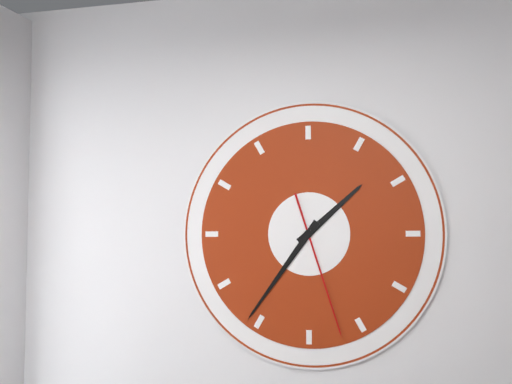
1:36:27
